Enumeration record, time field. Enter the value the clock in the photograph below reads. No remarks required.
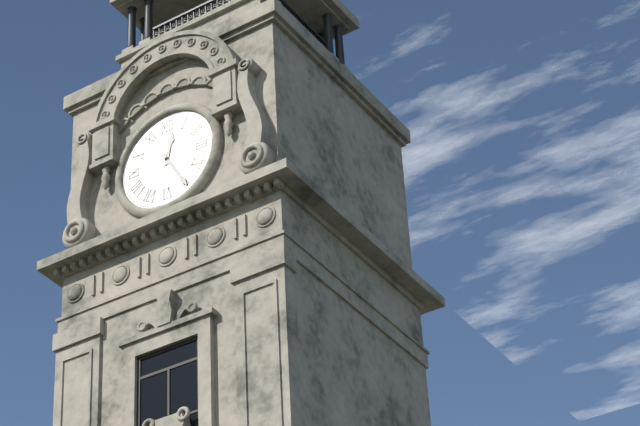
12:25
